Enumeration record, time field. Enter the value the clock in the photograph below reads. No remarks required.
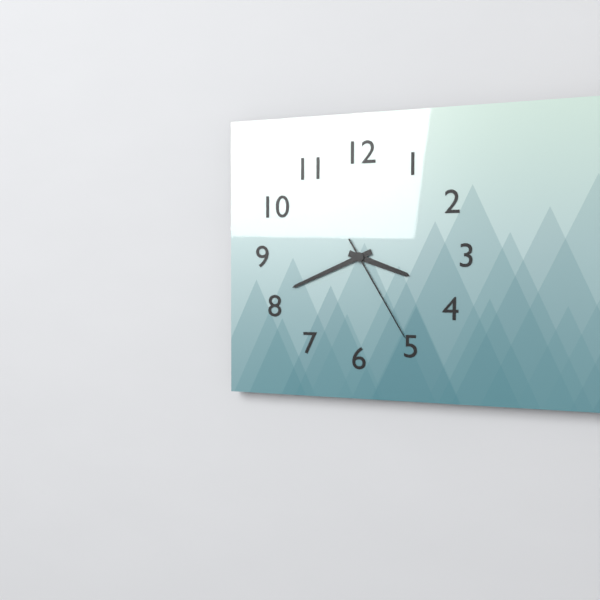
3:41:25
